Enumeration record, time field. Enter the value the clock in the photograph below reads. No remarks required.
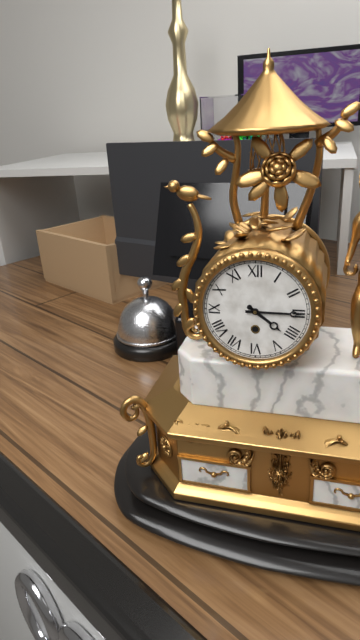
4:15
